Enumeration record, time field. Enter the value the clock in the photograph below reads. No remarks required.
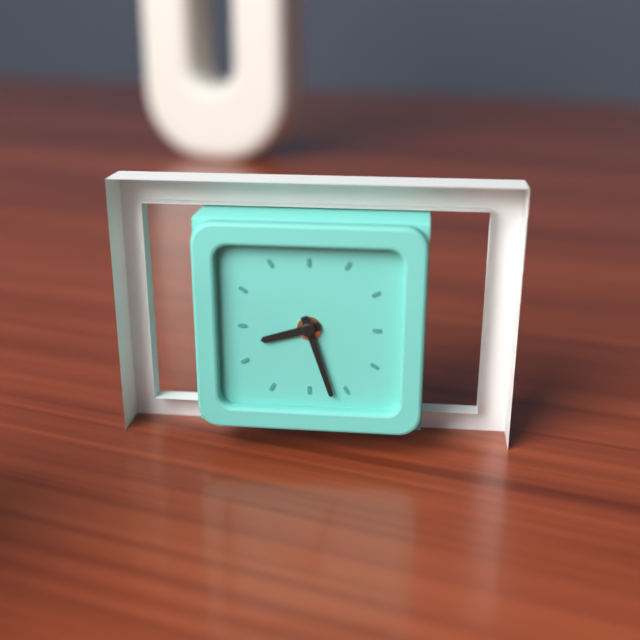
8:27
